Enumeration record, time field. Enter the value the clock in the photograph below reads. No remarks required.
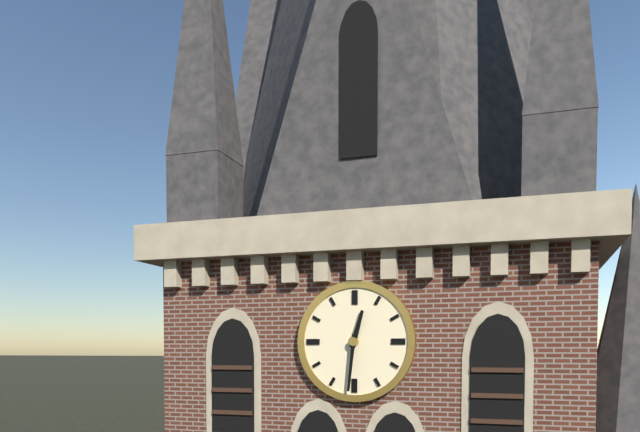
12:31
